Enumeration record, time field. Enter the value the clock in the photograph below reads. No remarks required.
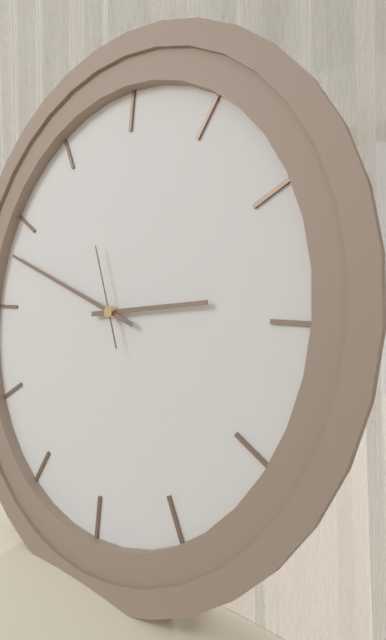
2:48:56
